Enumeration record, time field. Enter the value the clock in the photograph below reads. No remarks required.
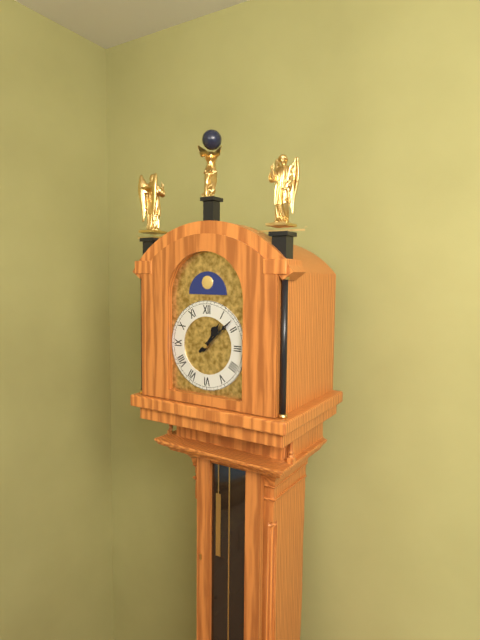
1:08
